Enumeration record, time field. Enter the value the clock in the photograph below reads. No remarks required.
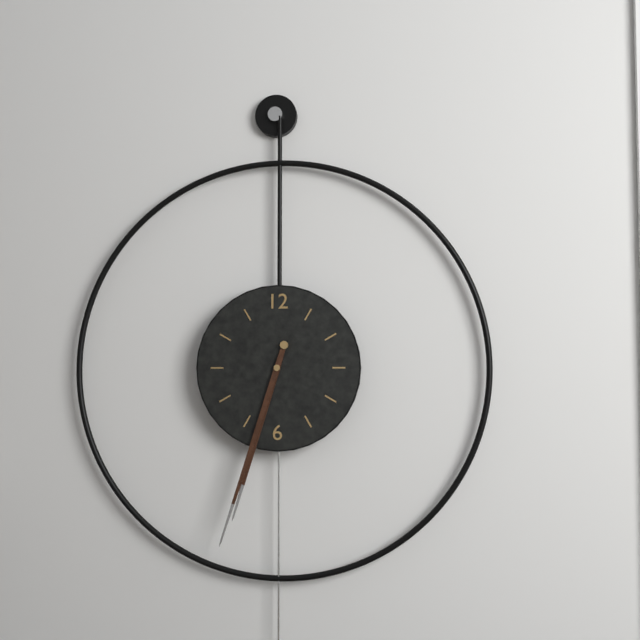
6:33
